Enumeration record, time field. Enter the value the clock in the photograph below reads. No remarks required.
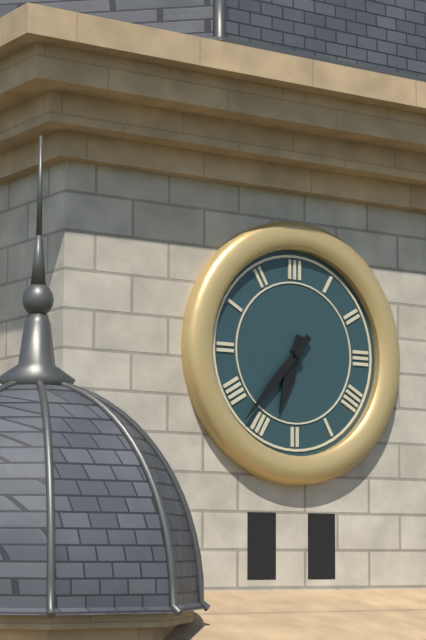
6:37
